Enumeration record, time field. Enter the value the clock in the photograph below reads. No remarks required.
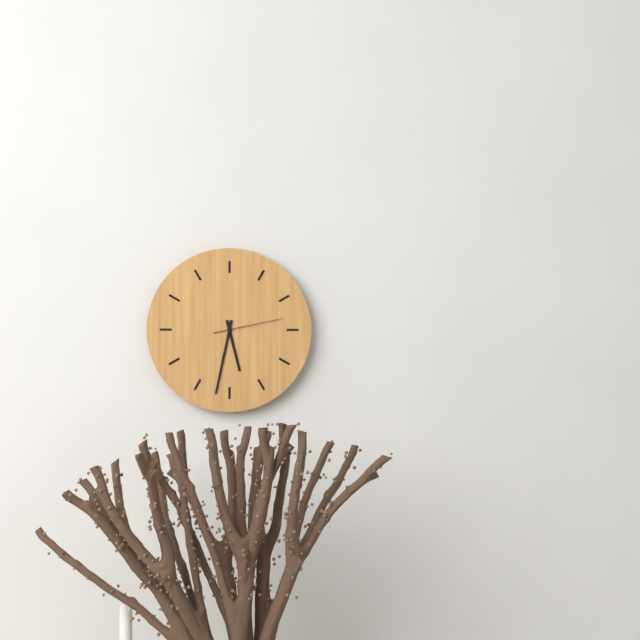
5:32:13
